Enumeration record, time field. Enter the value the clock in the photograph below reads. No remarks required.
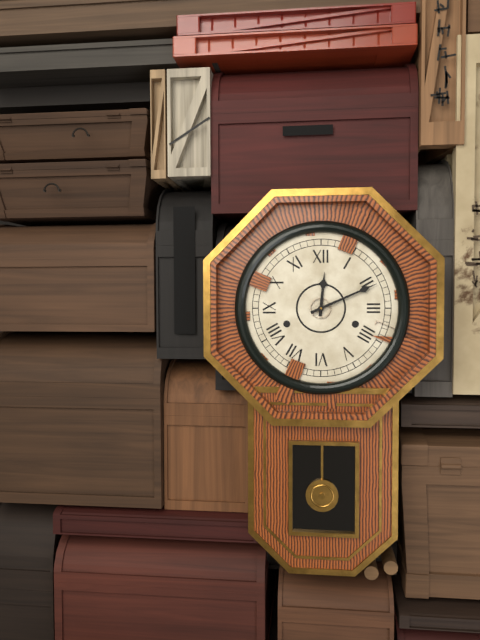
12:11
